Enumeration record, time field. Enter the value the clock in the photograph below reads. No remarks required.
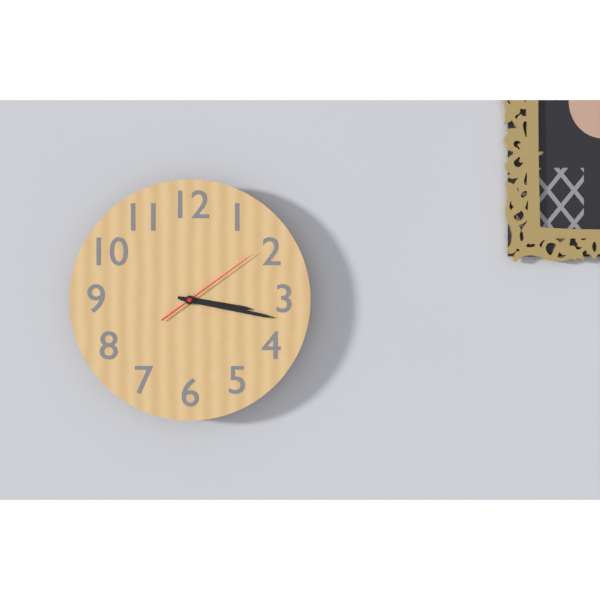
3:17:09
